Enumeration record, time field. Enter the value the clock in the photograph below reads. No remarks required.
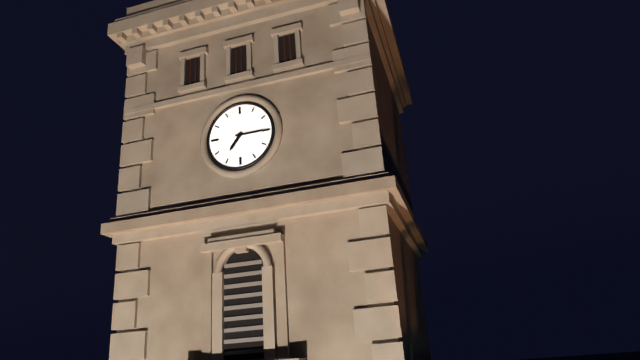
7:15
